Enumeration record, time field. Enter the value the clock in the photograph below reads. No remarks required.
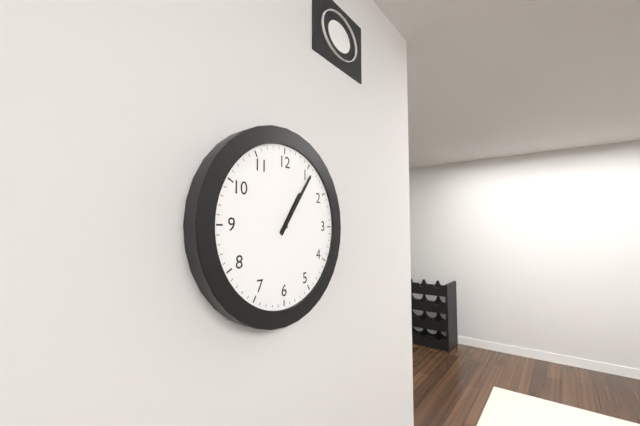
1:06
